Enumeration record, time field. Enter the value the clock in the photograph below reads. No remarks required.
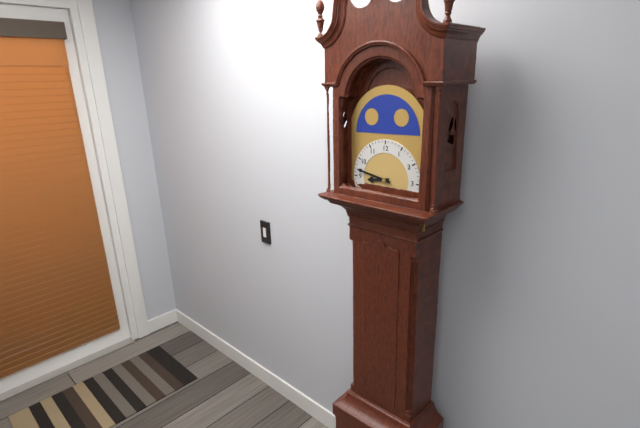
8:47
